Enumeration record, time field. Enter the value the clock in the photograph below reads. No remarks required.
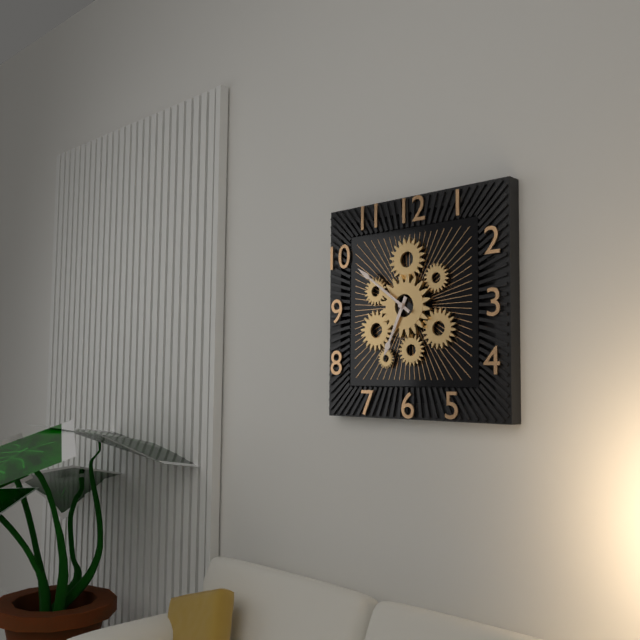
6:51
